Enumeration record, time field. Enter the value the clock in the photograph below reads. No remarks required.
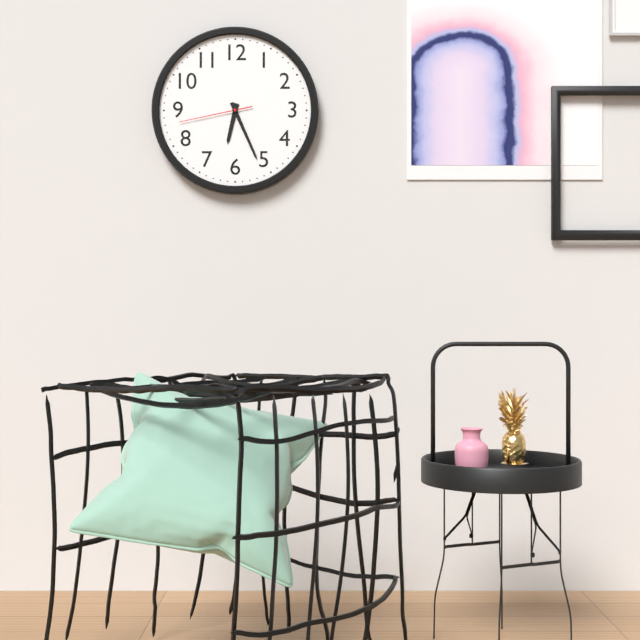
6:26:43
